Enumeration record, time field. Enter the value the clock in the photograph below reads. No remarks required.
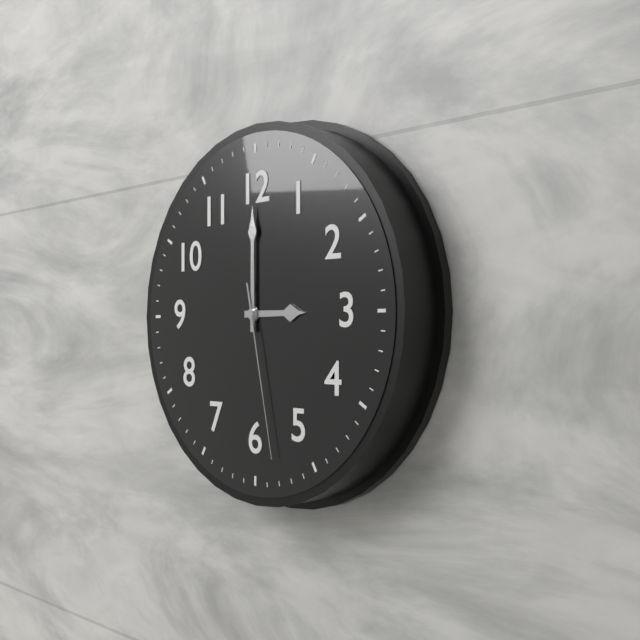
3:00:28
